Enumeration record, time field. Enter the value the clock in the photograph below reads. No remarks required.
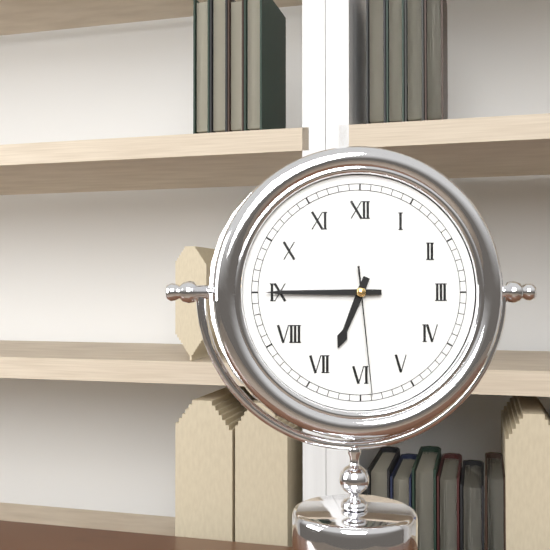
6:45:29
